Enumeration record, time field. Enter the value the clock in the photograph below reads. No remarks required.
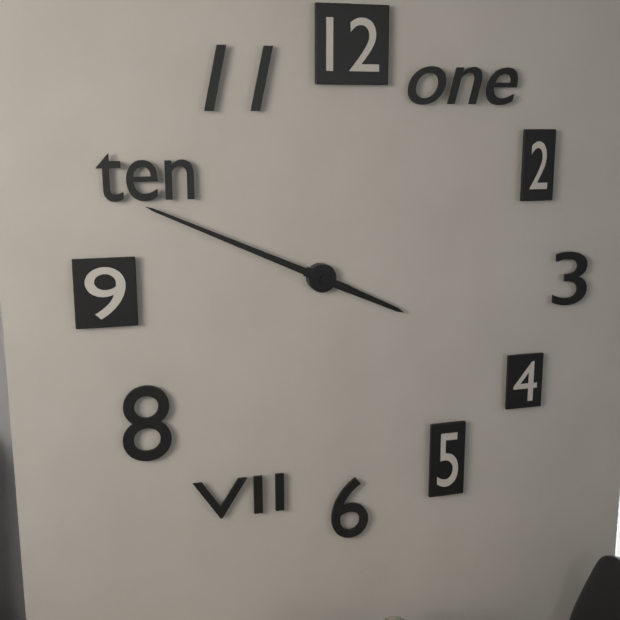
3:49
